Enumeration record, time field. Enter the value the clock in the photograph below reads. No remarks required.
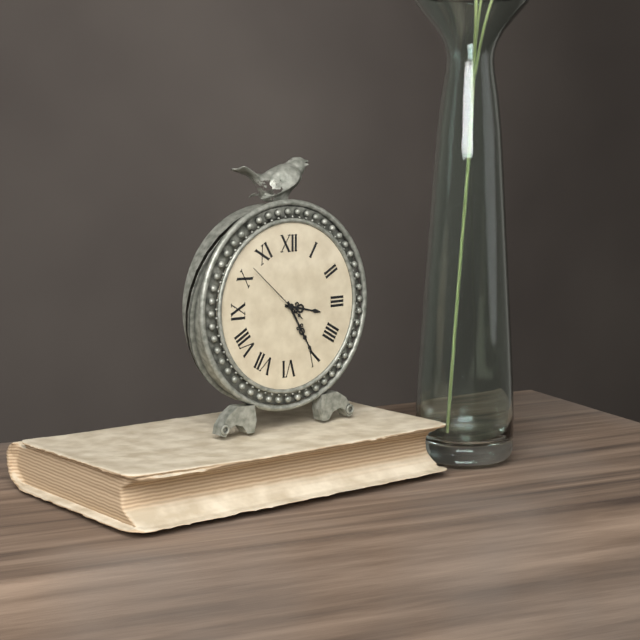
3:25:52
